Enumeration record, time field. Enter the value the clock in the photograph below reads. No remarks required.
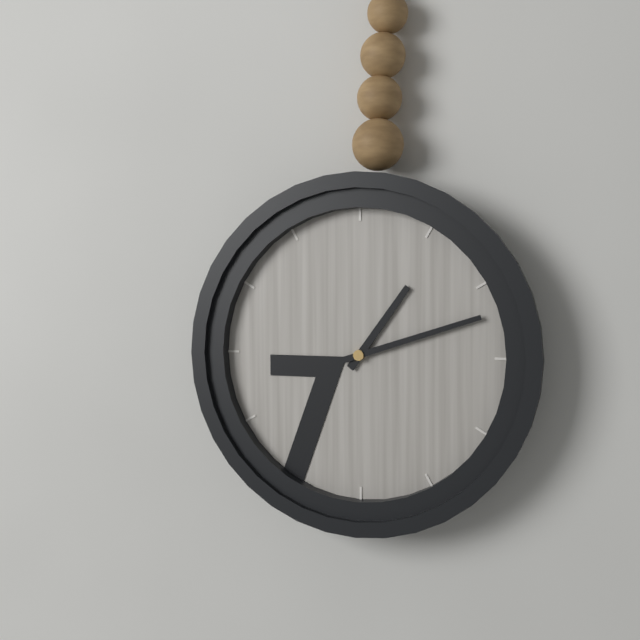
1:12
